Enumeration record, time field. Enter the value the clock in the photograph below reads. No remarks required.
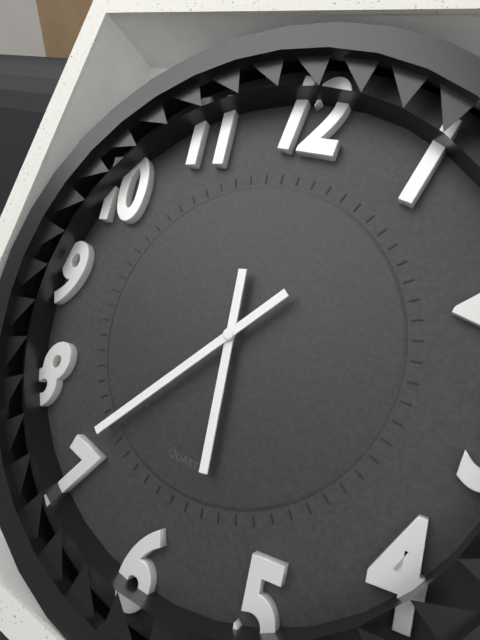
5:36
